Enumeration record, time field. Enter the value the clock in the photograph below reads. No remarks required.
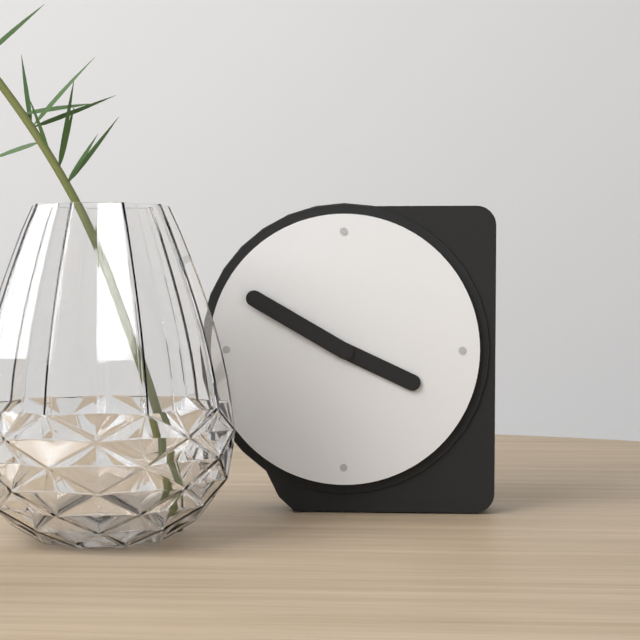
3:50
